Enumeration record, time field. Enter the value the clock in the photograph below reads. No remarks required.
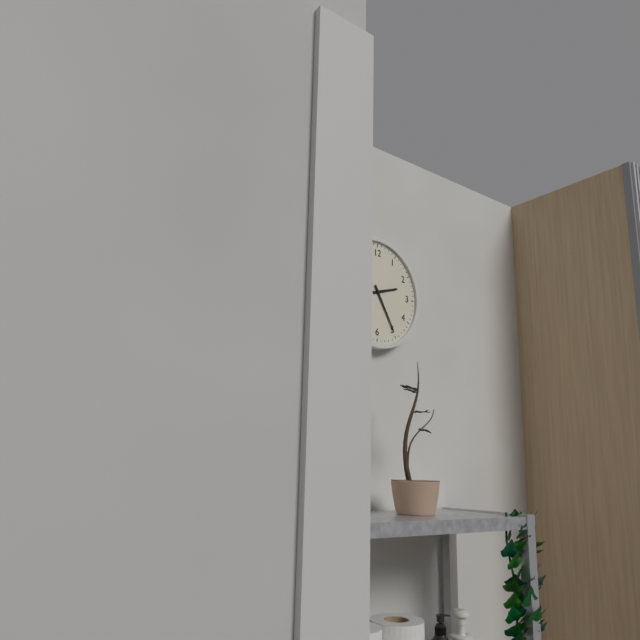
2:25
